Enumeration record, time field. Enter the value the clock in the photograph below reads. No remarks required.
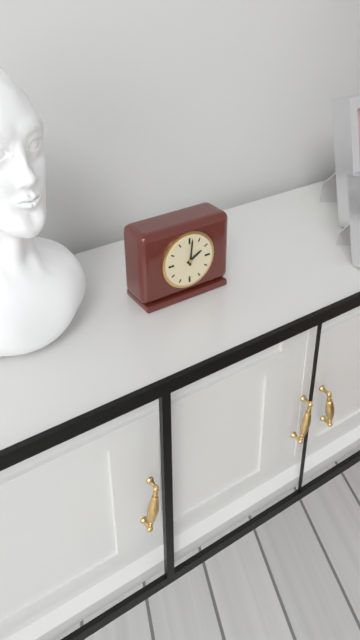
2:01
